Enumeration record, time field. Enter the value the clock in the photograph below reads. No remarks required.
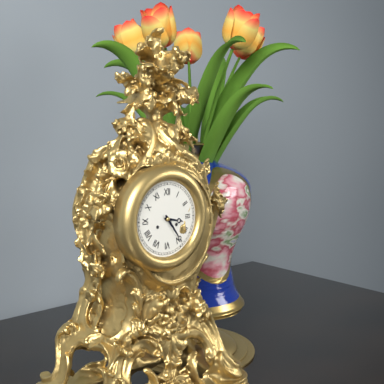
3:24
